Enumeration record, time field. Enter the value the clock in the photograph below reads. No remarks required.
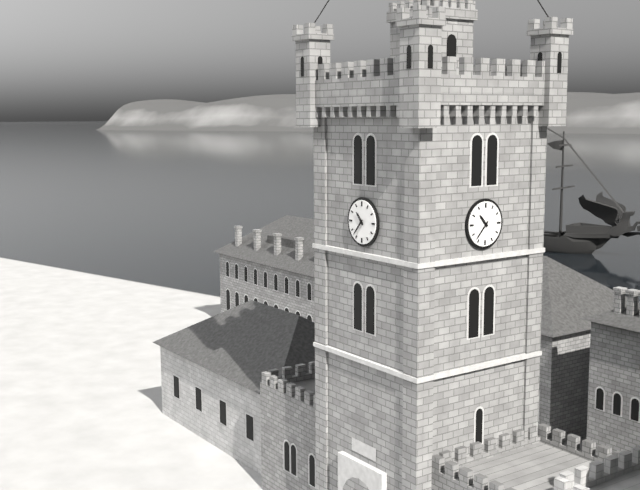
10:37
